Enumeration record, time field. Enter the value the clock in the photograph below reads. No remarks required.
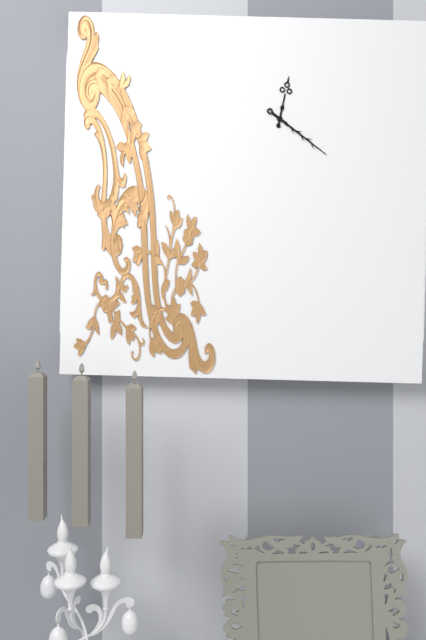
12:21
